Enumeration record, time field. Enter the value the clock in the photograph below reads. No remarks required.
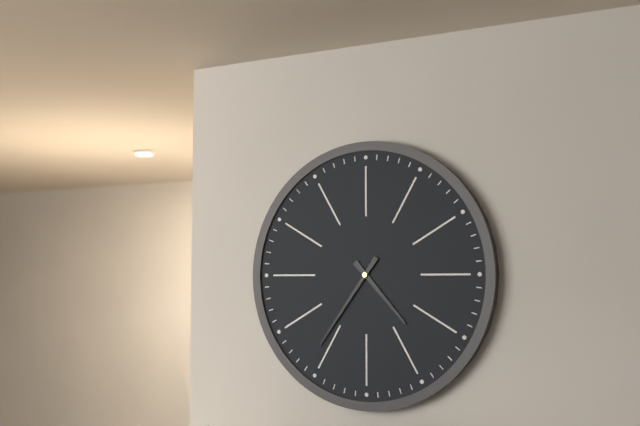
4:36
